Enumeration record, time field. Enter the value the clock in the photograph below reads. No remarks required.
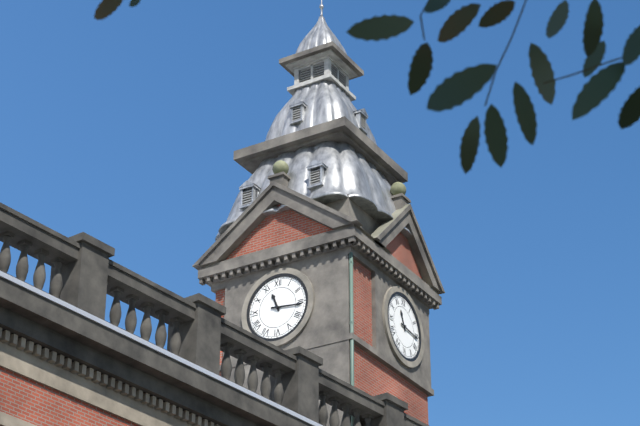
11:16
